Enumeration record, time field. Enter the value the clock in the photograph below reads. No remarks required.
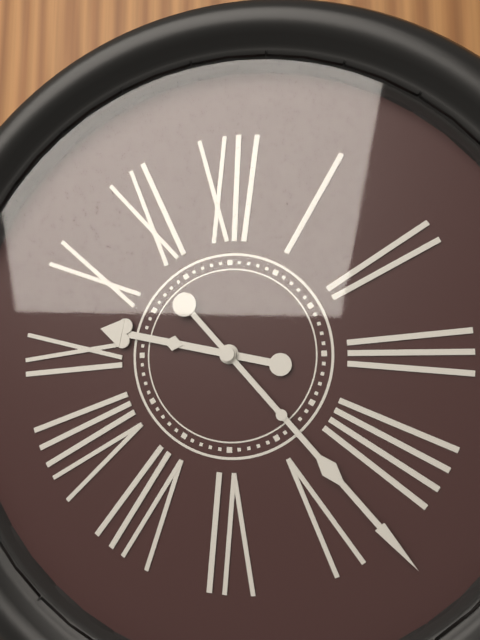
9:23
